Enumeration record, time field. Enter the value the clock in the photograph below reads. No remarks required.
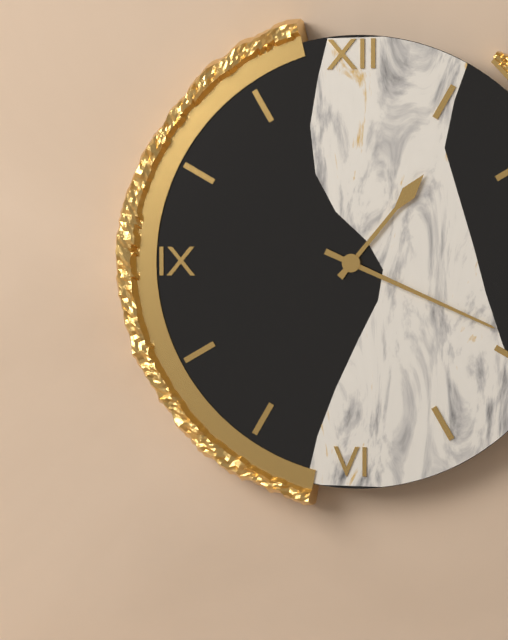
1:19
